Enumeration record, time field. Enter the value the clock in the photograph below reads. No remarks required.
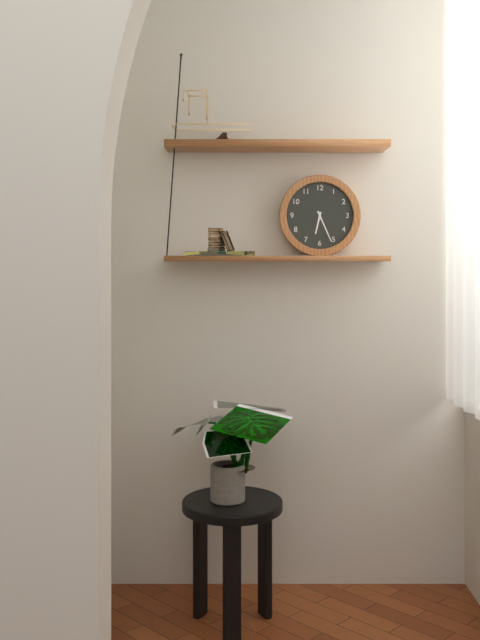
6:26
